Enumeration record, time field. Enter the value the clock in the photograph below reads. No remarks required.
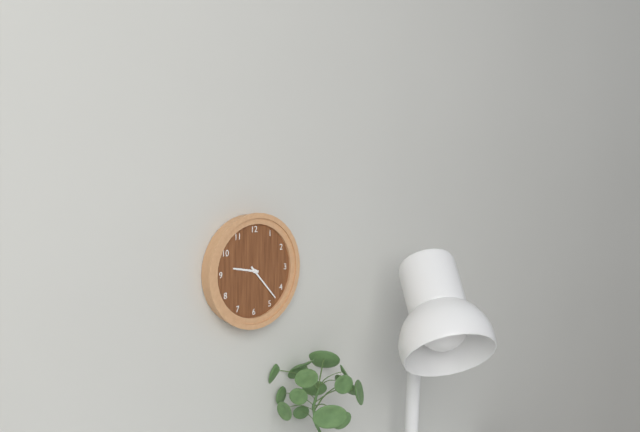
9:23
